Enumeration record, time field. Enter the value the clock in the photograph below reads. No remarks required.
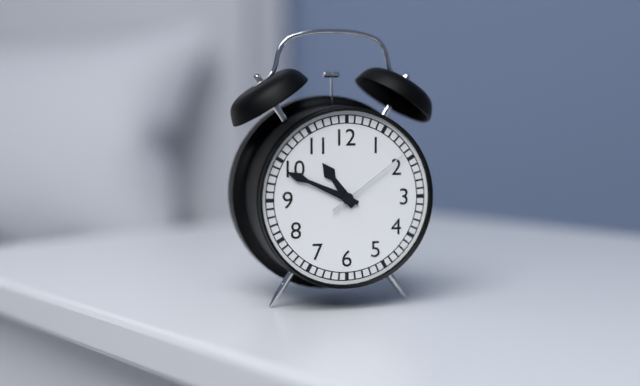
10:49:09
